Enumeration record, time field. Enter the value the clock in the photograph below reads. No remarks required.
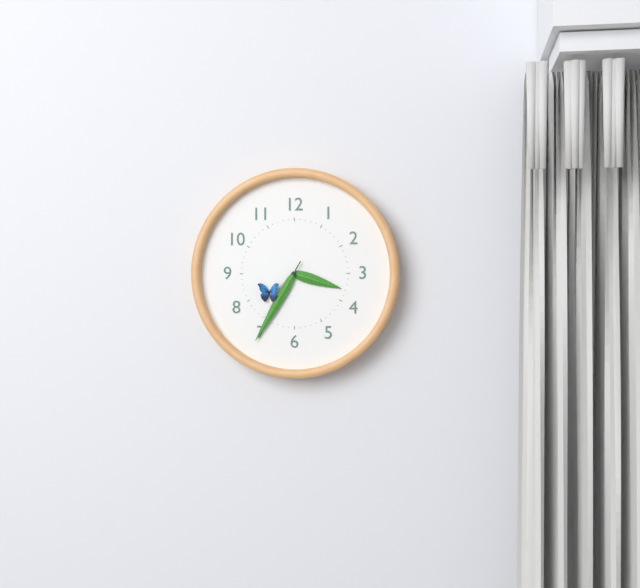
3:35
